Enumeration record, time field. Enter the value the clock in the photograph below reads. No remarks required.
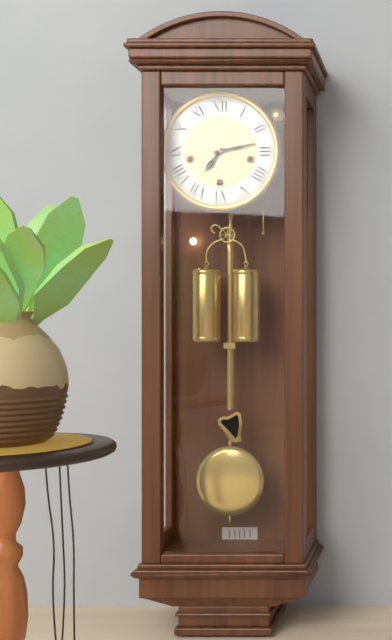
7:13
